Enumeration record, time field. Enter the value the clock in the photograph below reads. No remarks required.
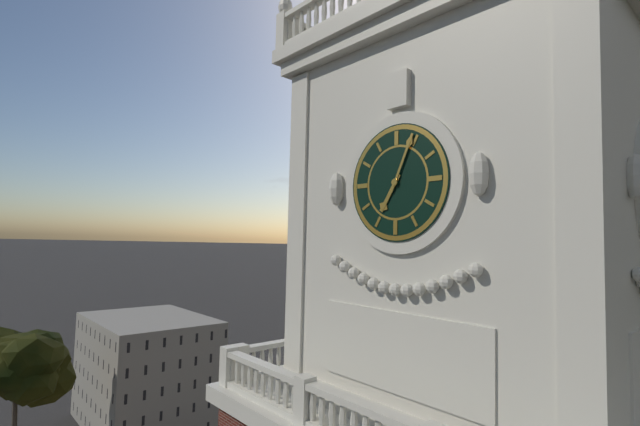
7:04
